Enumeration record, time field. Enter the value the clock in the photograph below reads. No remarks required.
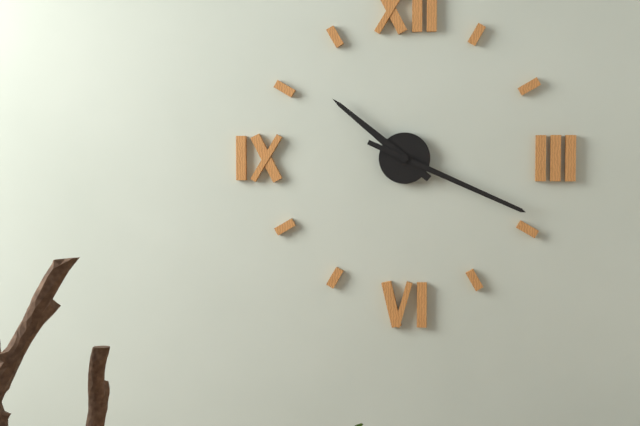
10:19
